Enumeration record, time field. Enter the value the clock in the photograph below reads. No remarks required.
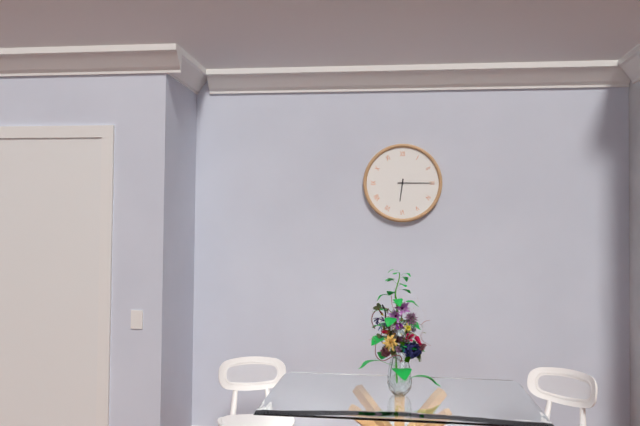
6:15
